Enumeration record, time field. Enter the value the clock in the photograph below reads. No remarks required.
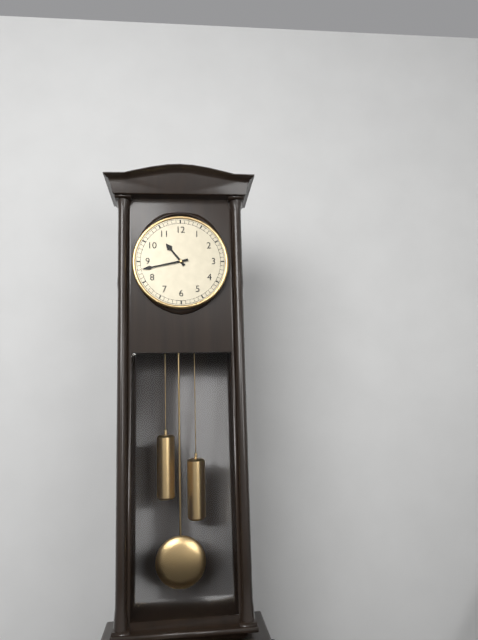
10:43
